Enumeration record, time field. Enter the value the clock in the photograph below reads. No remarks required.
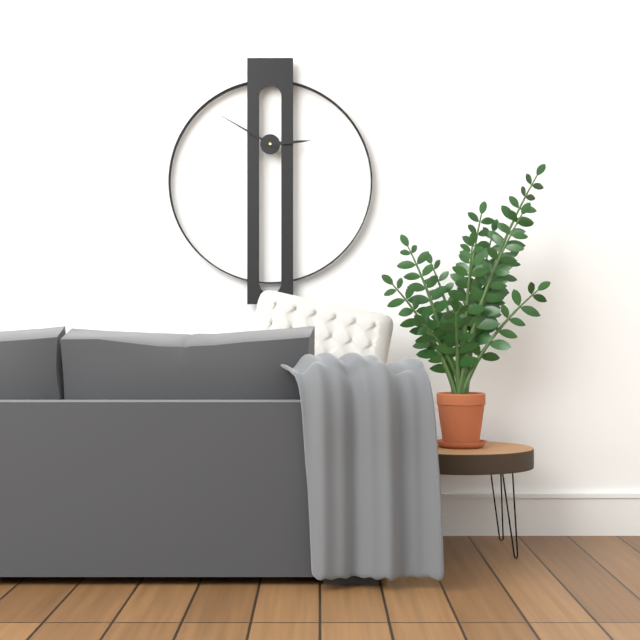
2:50
